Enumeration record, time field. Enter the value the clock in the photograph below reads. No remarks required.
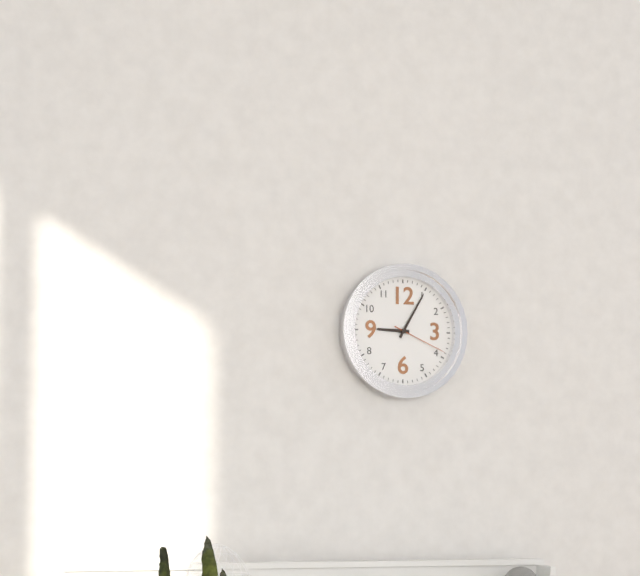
9:05:19
